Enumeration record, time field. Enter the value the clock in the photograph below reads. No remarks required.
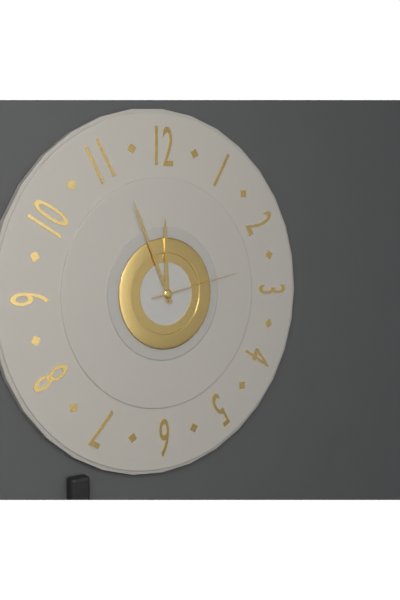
11:56:13
